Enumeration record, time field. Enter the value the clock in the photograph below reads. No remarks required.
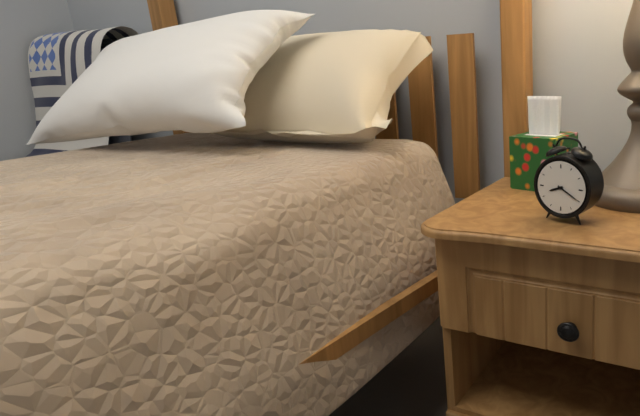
8:20
